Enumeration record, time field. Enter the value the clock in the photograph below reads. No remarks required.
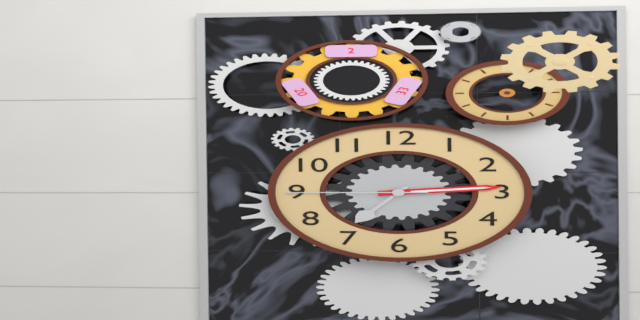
7:14:45
